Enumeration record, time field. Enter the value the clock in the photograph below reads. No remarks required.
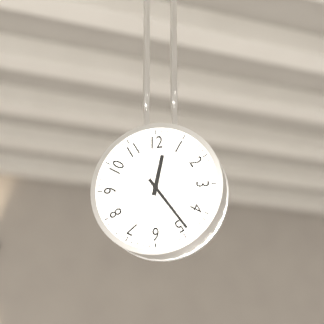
12:24
